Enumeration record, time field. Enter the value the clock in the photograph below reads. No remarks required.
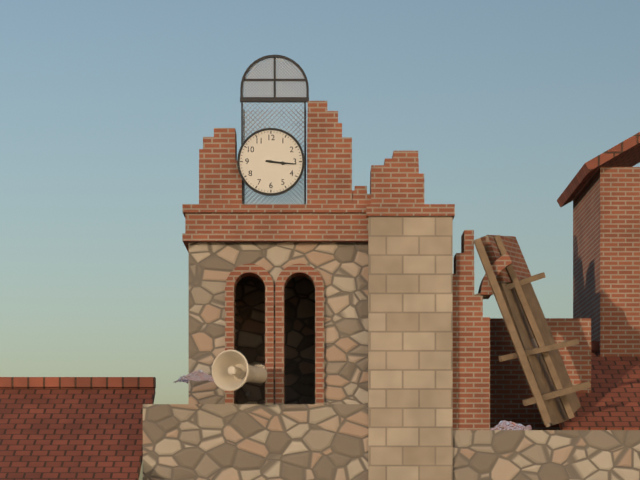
3:16
